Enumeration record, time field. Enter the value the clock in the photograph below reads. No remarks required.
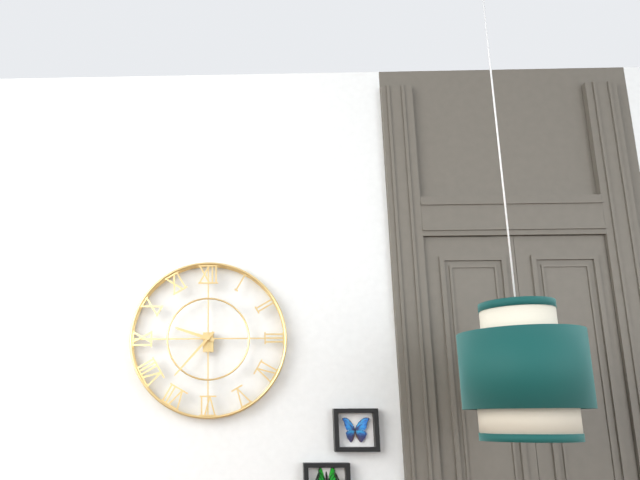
9:37
